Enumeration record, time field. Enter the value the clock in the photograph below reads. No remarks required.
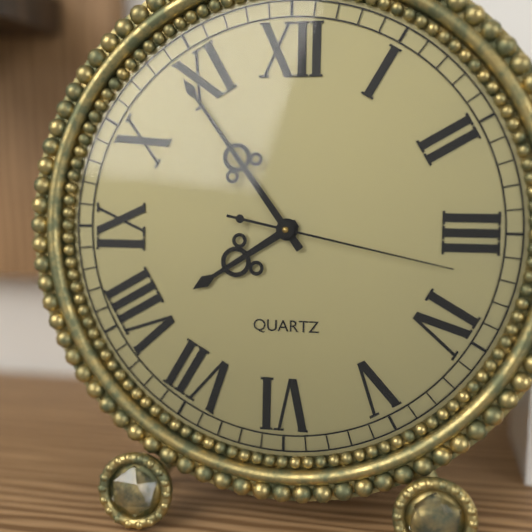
7:54:17
